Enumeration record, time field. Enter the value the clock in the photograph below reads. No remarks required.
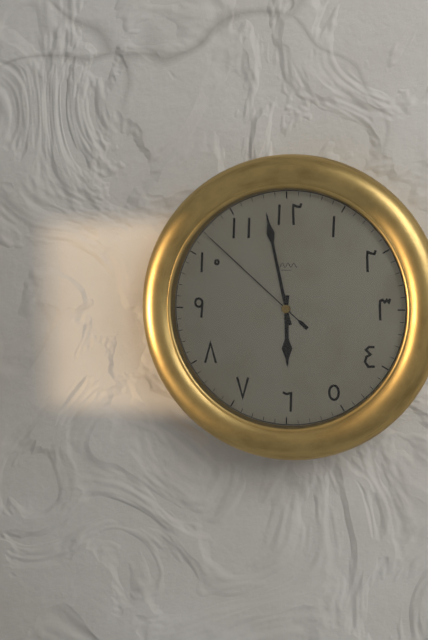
5:58:52
